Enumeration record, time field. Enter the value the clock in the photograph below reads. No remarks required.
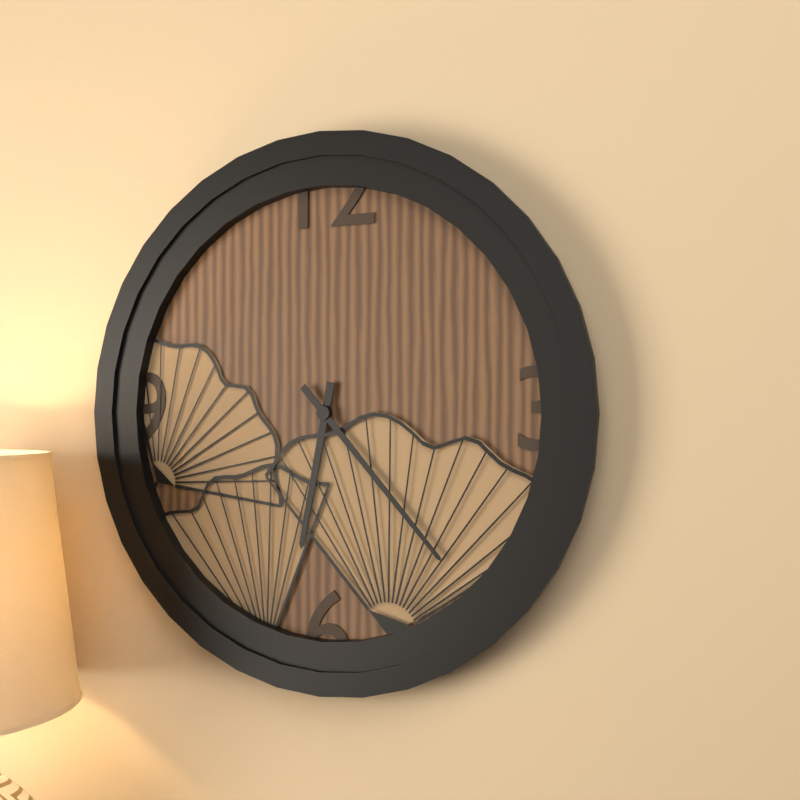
6:23
